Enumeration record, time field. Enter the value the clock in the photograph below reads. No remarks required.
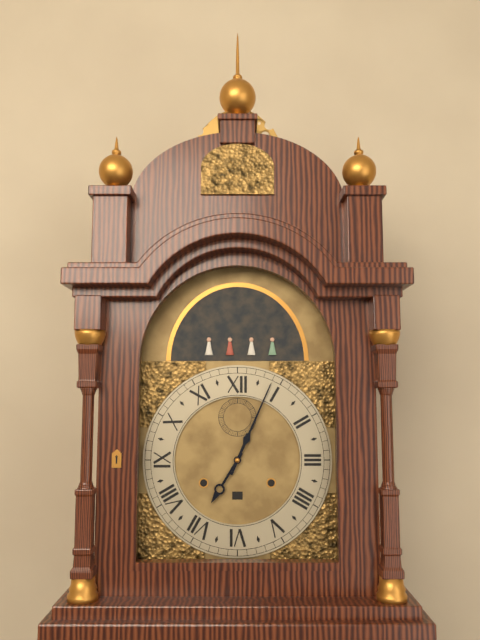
7:04
